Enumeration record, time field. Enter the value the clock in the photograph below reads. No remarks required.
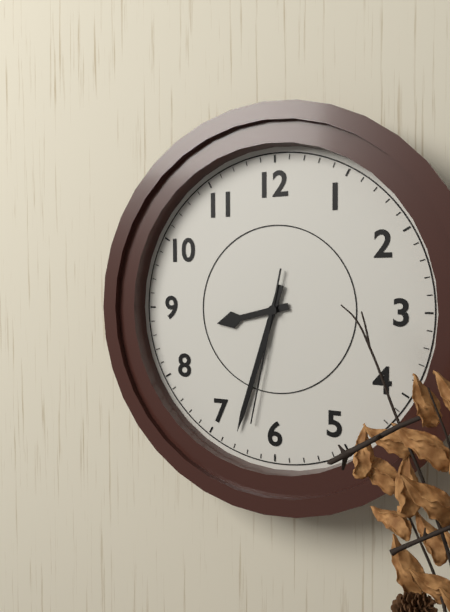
8:33:32
